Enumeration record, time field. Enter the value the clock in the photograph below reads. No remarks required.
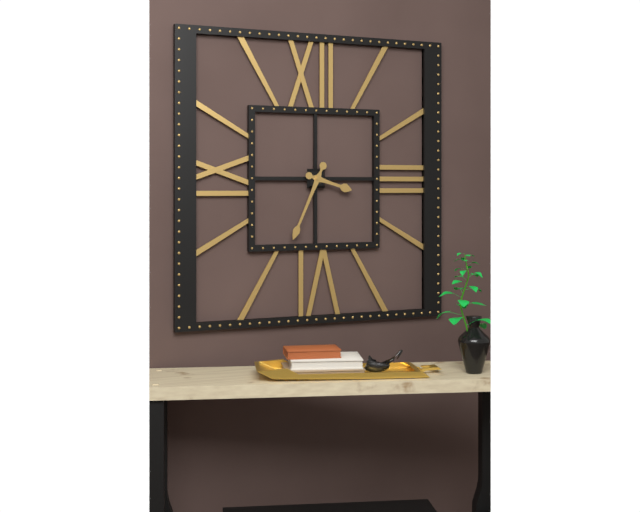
3:34
